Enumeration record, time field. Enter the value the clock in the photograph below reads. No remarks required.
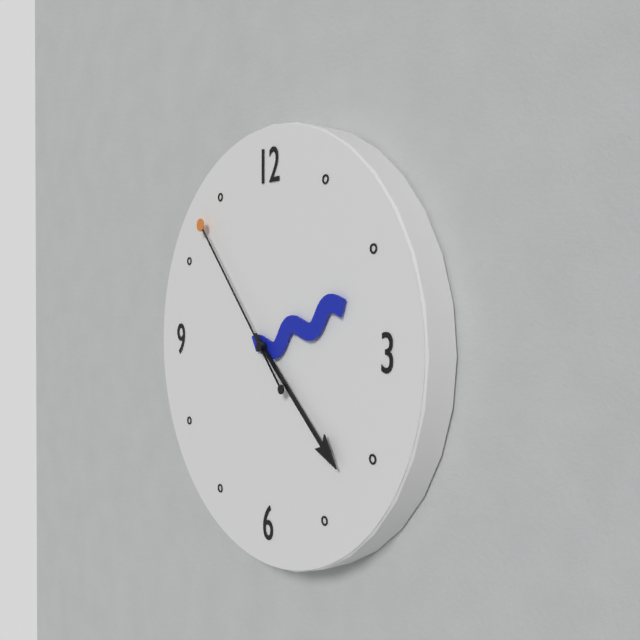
2:22:53
